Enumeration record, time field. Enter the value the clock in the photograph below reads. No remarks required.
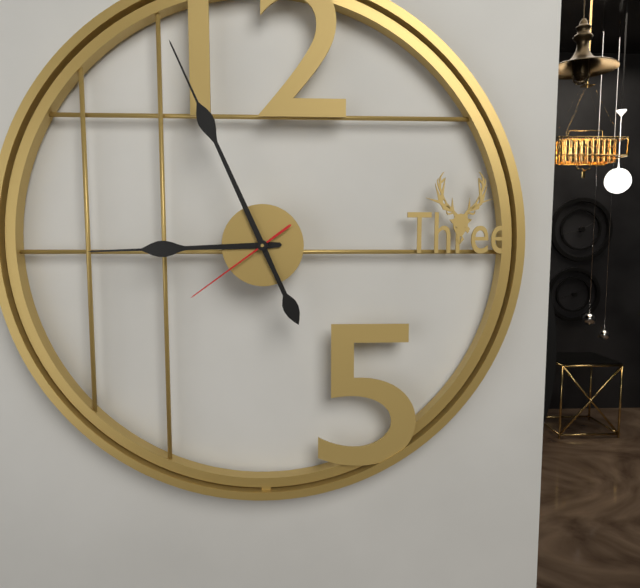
8:56:39
